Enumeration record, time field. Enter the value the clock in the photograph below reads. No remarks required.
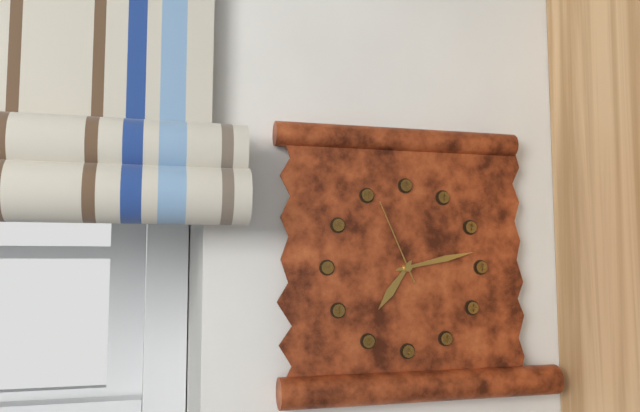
7:13:56
